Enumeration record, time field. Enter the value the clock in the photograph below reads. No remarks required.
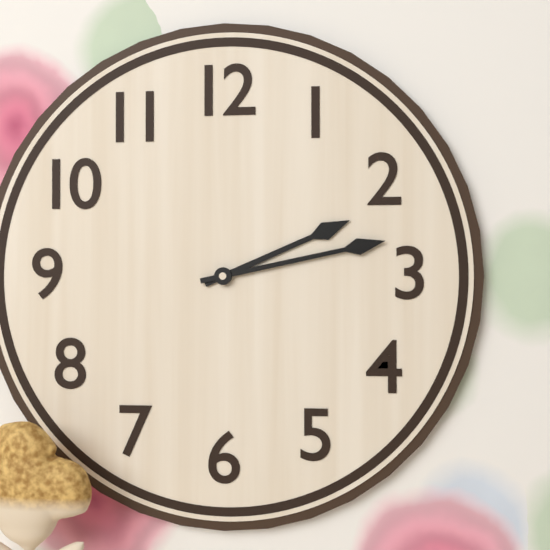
2:13
